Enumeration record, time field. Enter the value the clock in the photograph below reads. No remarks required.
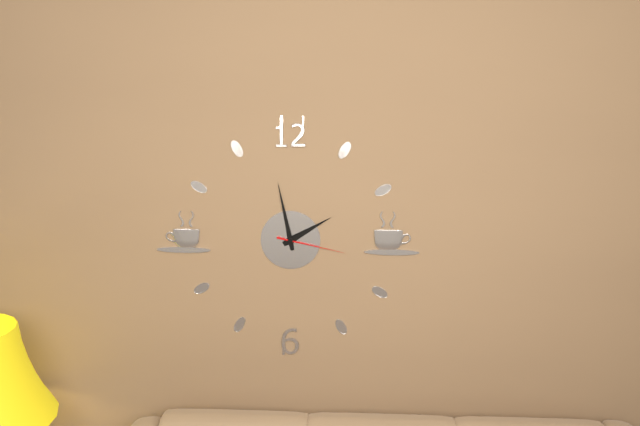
1:58:17
